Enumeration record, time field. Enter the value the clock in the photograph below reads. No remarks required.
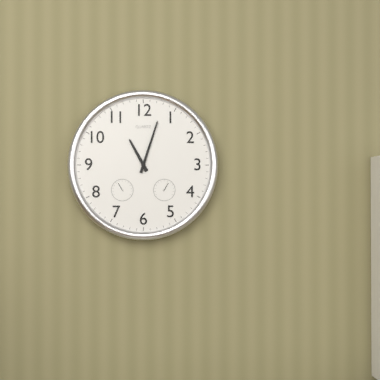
11:03
